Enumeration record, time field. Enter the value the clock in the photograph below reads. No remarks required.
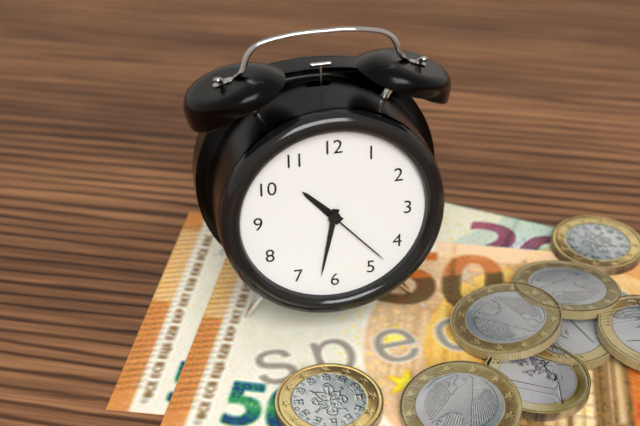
10:32:23
